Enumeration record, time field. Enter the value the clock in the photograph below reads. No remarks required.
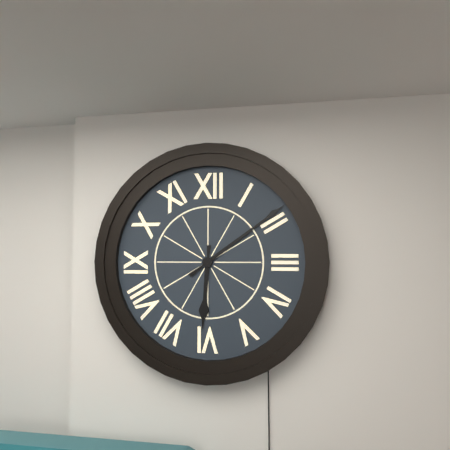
6:09
